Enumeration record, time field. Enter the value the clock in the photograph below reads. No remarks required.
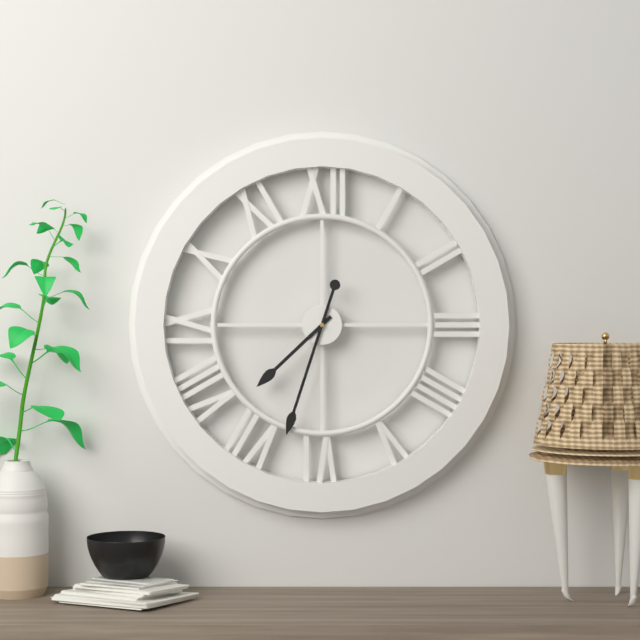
7:33
